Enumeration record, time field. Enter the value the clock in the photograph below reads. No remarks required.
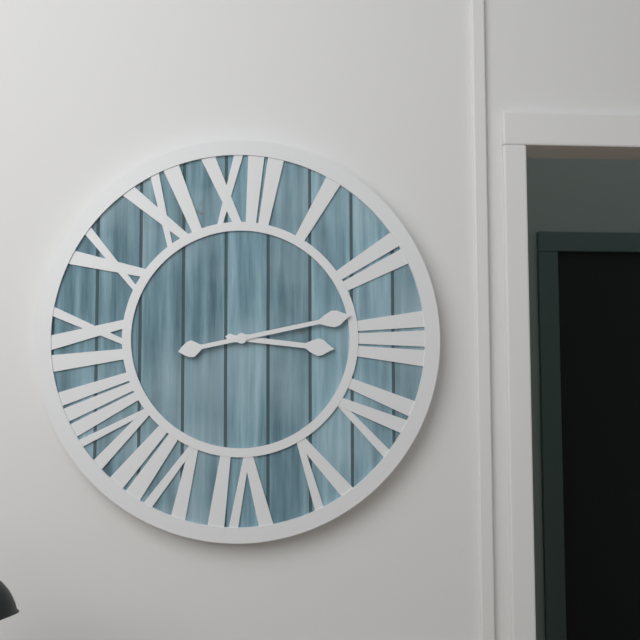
3:13
